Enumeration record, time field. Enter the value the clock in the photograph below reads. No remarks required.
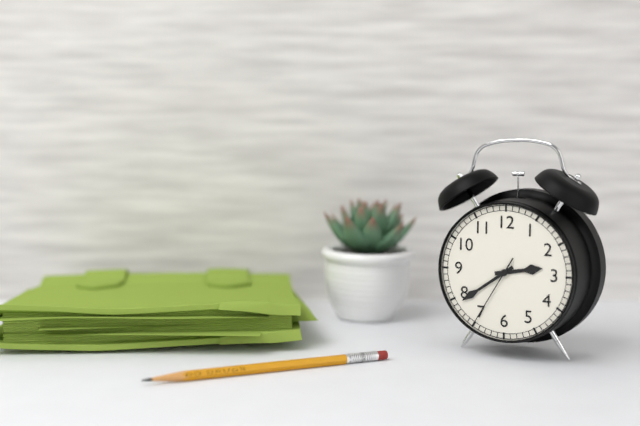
2:39:35
